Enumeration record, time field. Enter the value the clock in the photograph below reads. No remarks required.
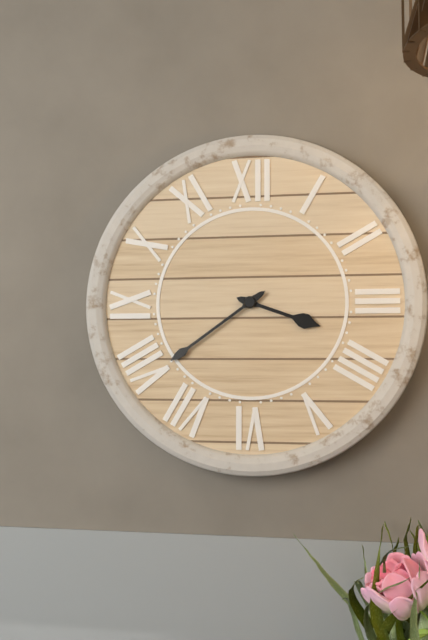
3:39
